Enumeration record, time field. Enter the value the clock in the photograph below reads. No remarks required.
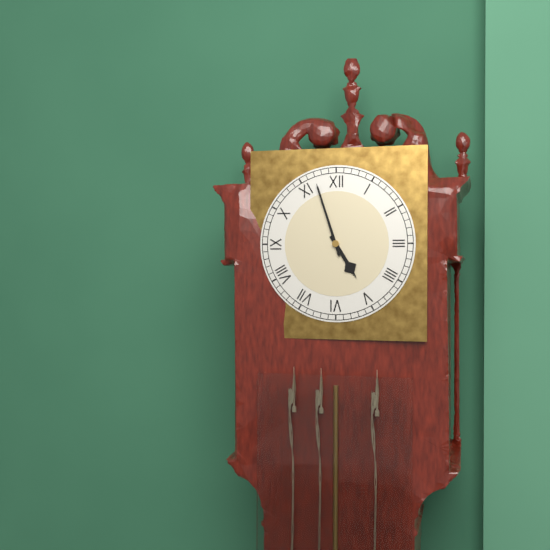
4:57
